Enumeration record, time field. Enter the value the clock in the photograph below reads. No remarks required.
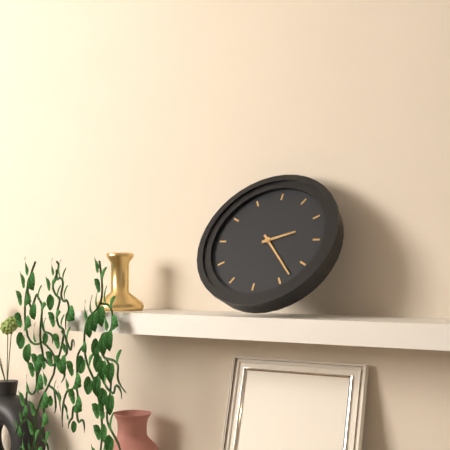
2:23
